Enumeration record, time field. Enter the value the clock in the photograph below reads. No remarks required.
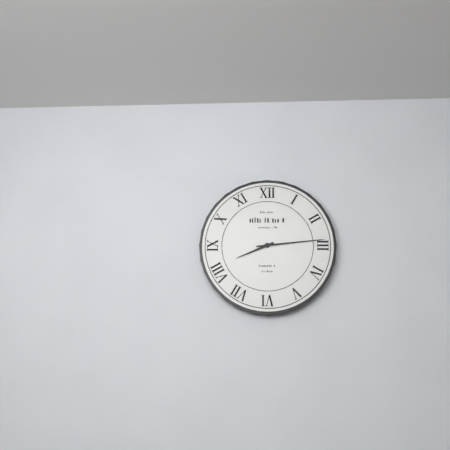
8:14
